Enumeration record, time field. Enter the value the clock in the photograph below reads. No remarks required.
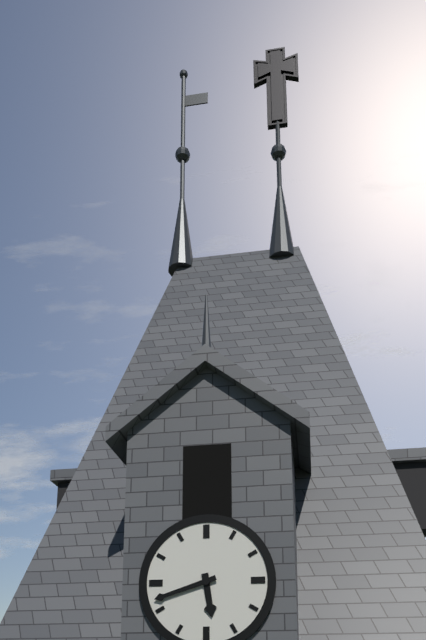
5:42
